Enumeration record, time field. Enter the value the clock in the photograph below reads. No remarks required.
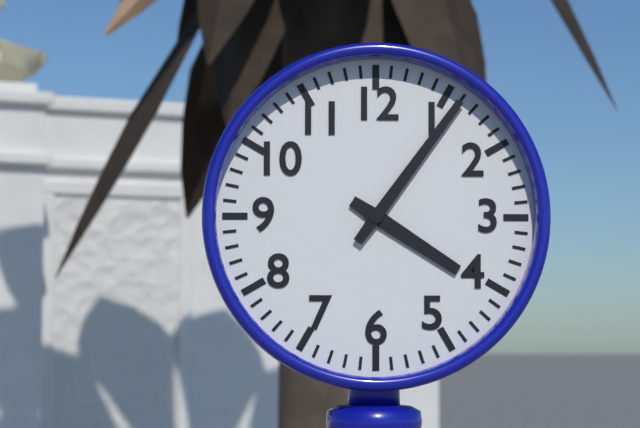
4:06
